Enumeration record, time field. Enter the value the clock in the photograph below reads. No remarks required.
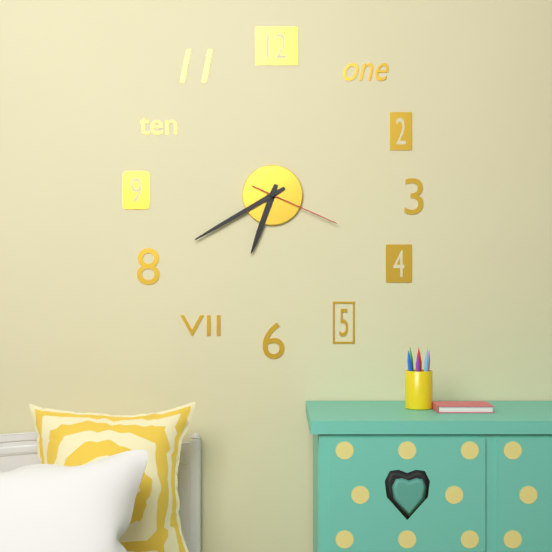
6:40:19
